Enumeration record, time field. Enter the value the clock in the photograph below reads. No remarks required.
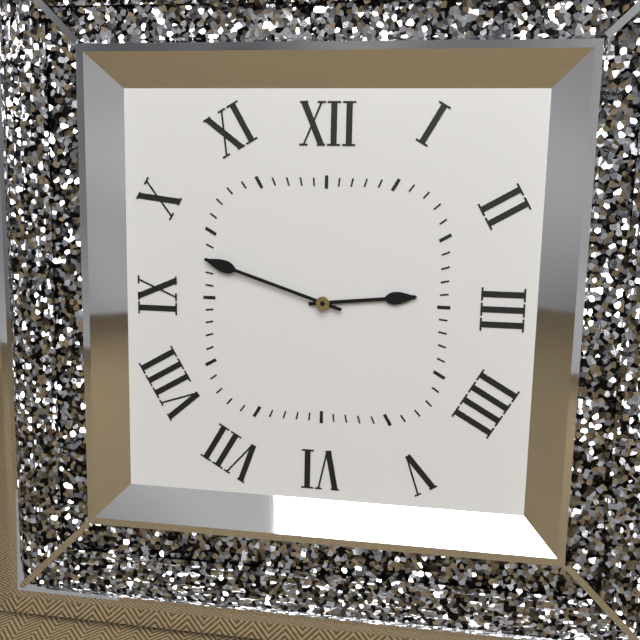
2:48
